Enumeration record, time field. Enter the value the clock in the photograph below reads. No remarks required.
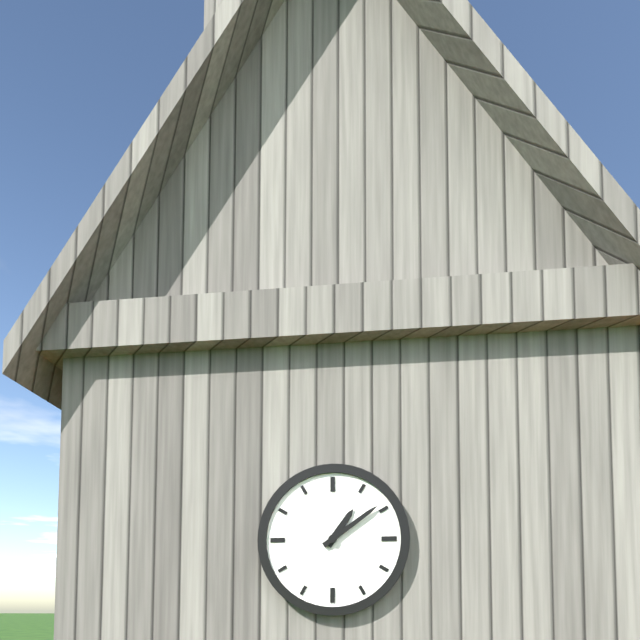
1:09
